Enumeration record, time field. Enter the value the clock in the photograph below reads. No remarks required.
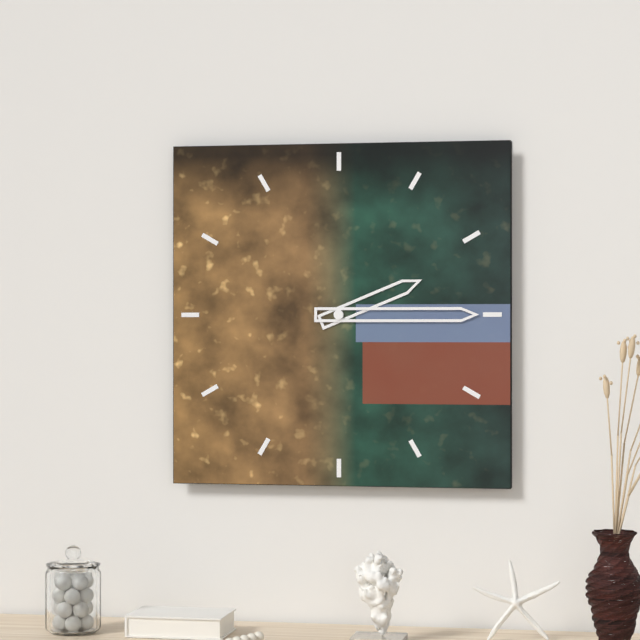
2:15
